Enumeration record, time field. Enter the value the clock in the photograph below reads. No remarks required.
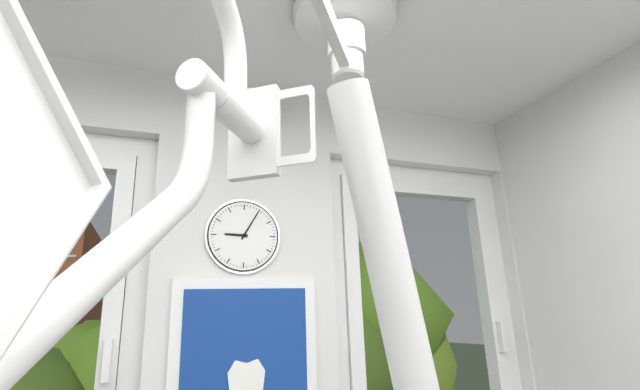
9:05
